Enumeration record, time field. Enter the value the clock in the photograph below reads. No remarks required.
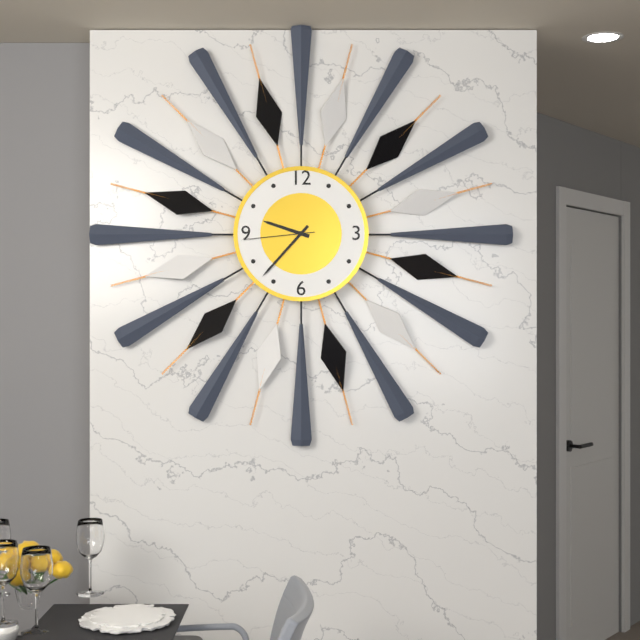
9:37:44
